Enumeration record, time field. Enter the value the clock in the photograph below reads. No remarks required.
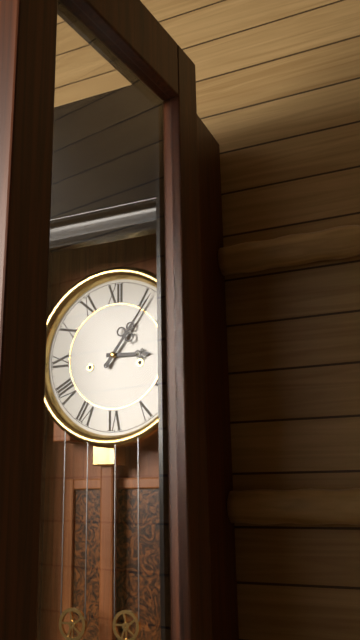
3:06
